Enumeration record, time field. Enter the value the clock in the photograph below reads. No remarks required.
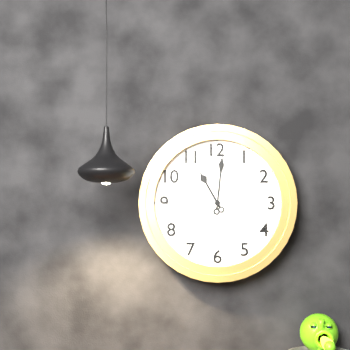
11:01
